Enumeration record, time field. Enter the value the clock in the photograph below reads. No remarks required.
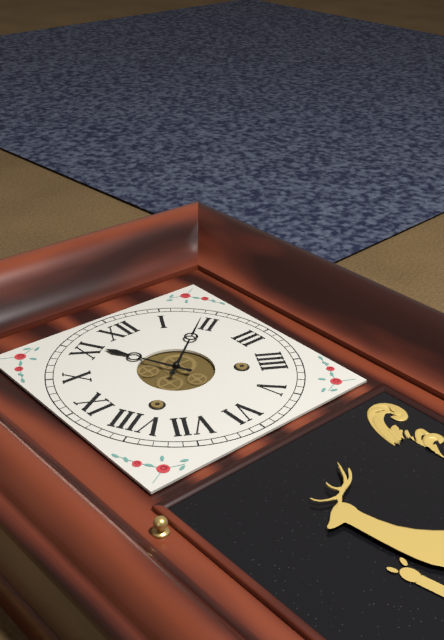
11:09
